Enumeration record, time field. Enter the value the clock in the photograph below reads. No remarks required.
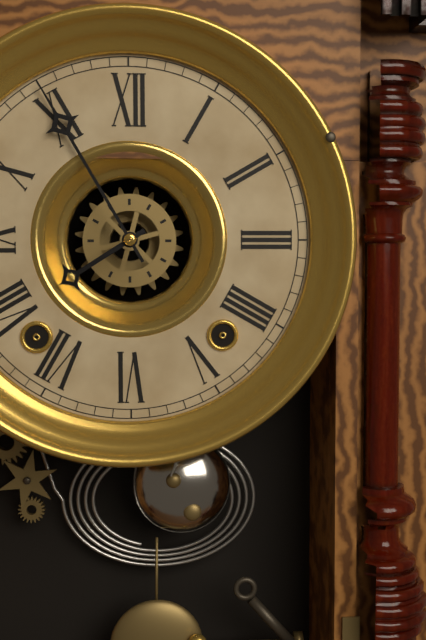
7:55
